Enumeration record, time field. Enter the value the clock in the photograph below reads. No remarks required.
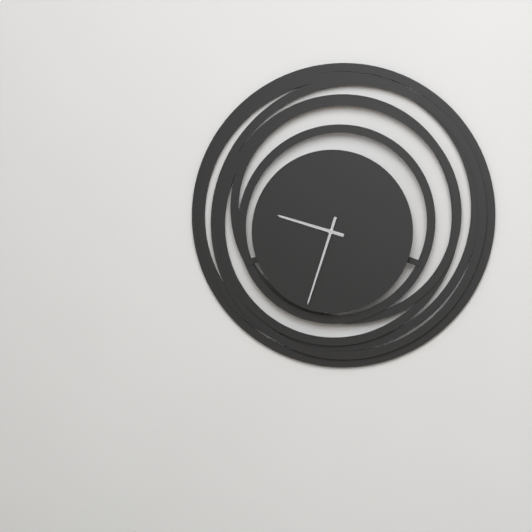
9:33
